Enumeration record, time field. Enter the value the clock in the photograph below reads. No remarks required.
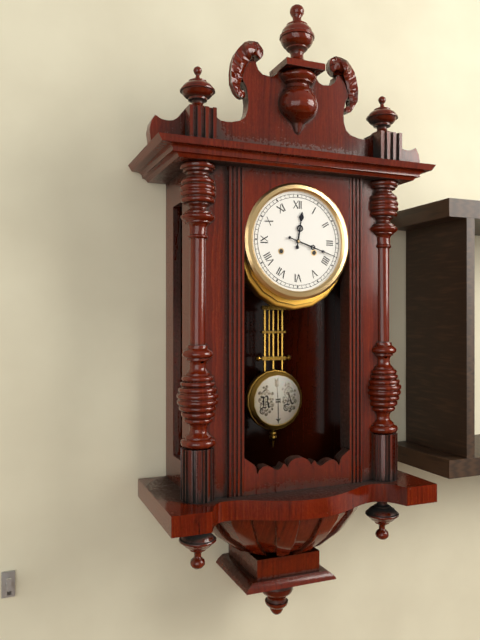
12:18
